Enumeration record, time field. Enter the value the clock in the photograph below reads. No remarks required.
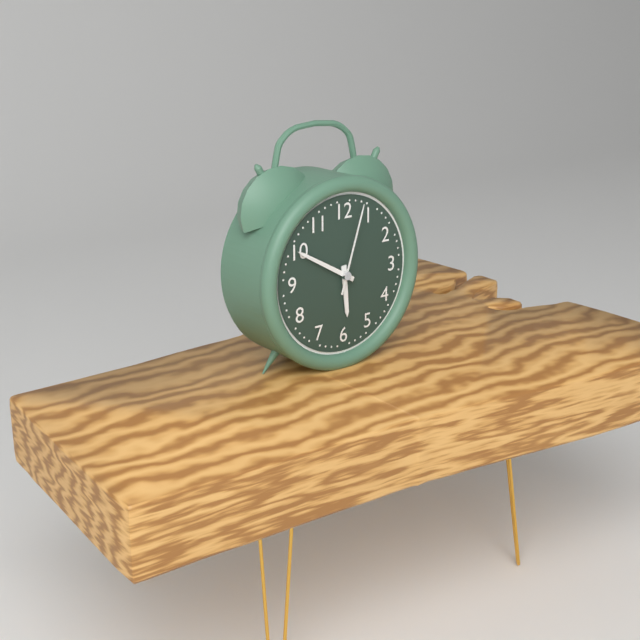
5:50:03
